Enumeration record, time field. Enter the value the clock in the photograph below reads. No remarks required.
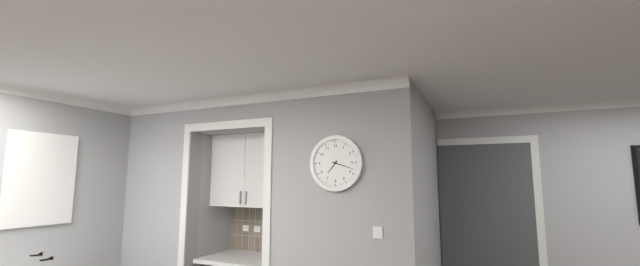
7:18
